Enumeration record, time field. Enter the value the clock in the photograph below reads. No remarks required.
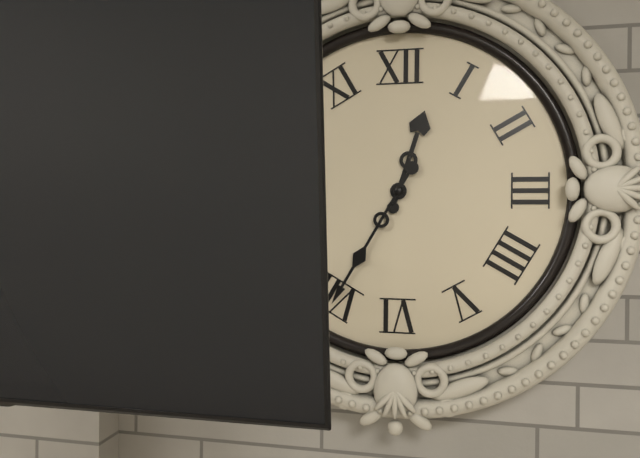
12:35
